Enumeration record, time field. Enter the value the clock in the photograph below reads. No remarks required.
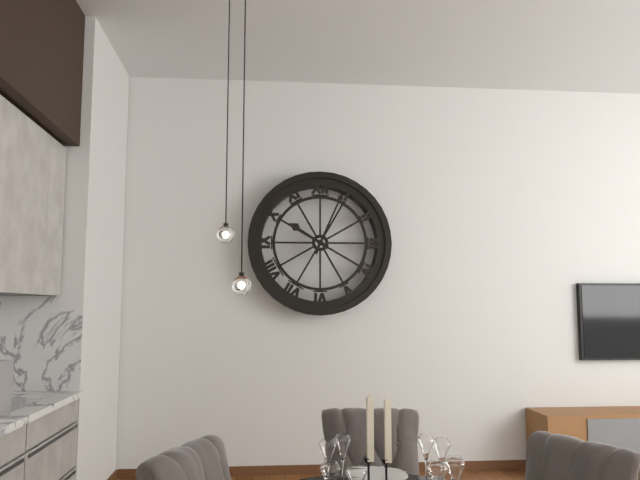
10:04
